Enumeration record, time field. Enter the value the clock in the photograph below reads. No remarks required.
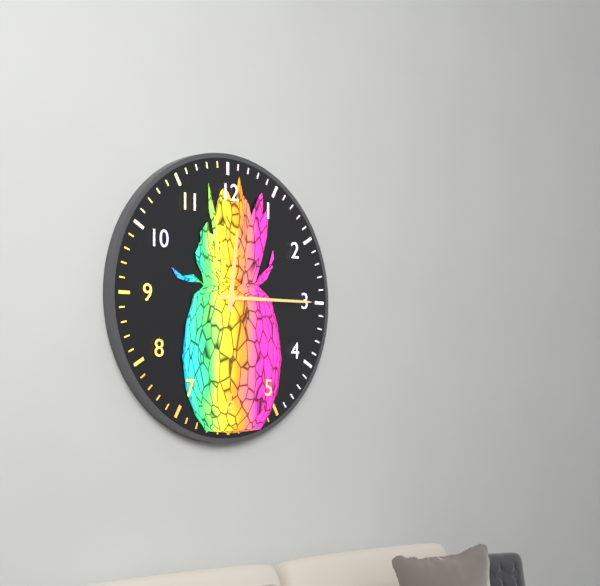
12:15
